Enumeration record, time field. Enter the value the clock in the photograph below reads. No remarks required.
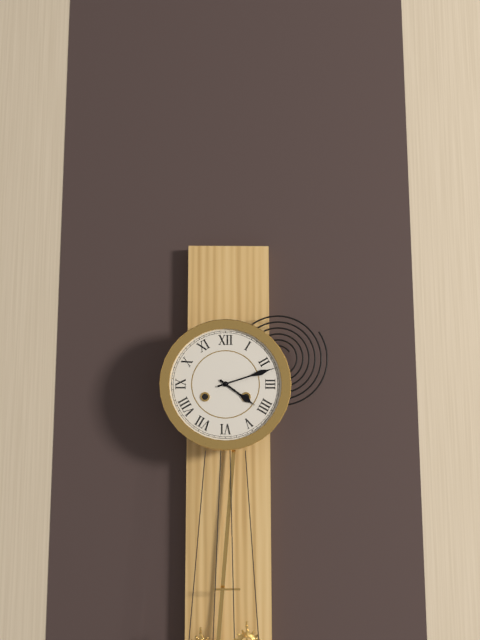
4:12
